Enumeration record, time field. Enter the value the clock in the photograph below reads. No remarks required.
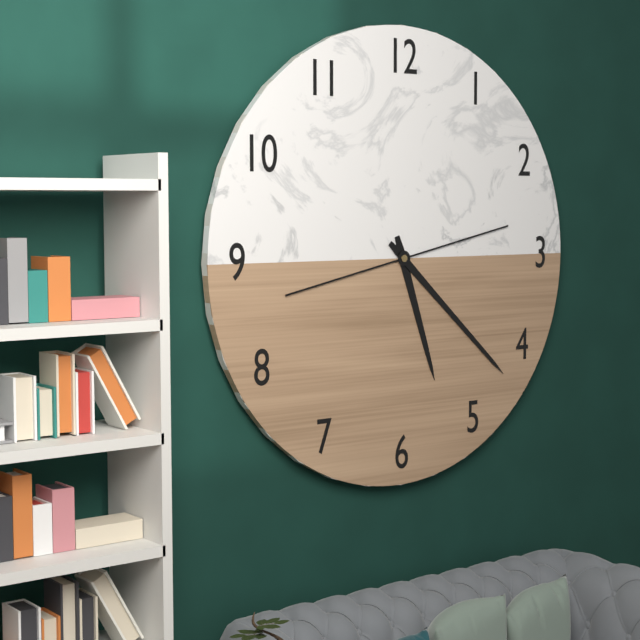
5:22
